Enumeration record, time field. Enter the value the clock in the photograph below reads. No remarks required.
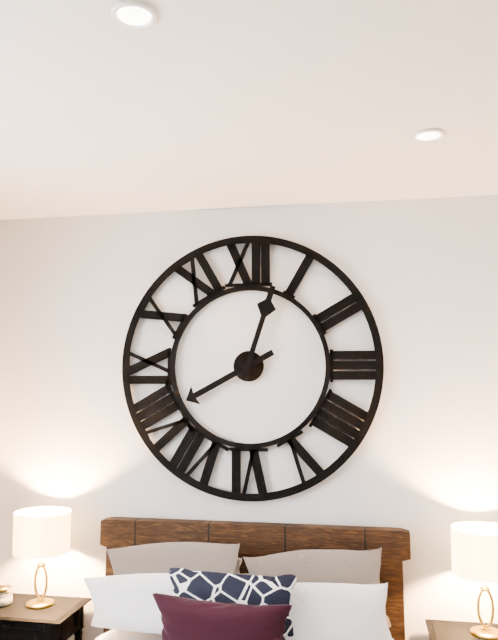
8:03
